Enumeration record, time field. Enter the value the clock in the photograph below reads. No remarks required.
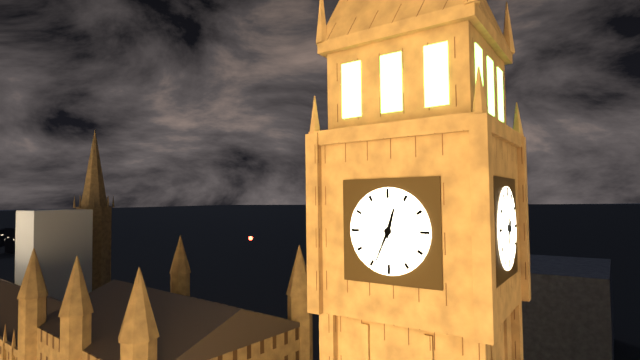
12:34
